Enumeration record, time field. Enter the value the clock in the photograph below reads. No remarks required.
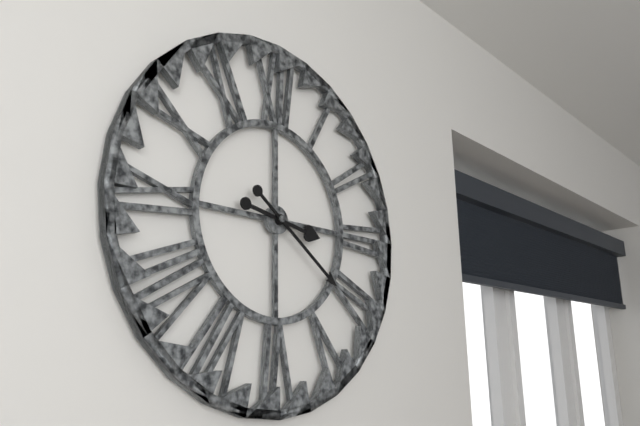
3:21
